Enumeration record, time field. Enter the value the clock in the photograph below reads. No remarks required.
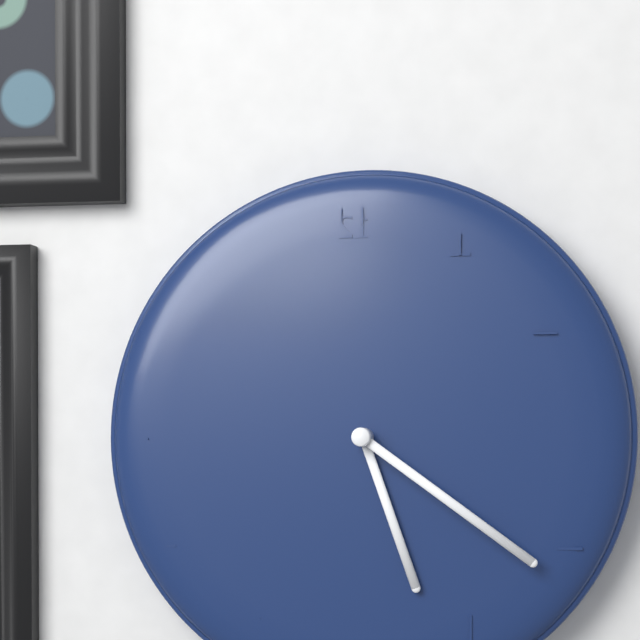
5:21
